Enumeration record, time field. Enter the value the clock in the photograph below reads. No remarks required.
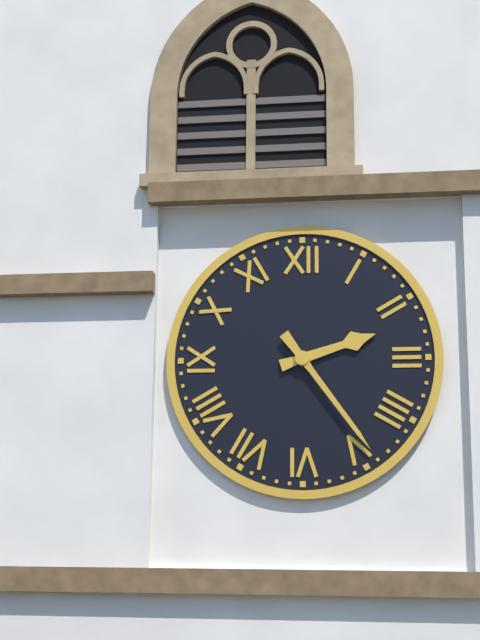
2:24
